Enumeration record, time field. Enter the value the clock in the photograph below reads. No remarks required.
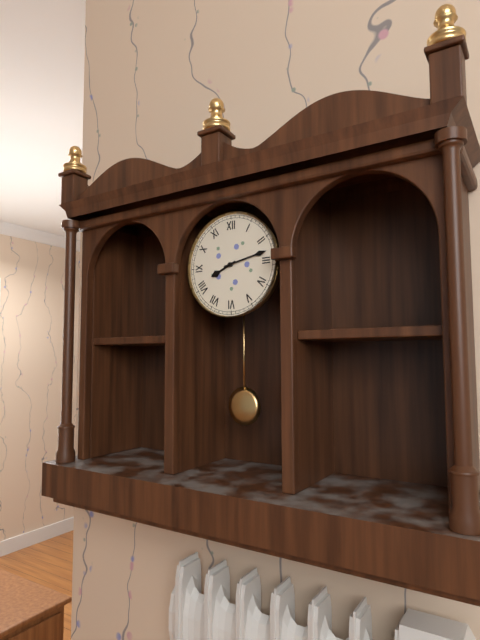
8:13
